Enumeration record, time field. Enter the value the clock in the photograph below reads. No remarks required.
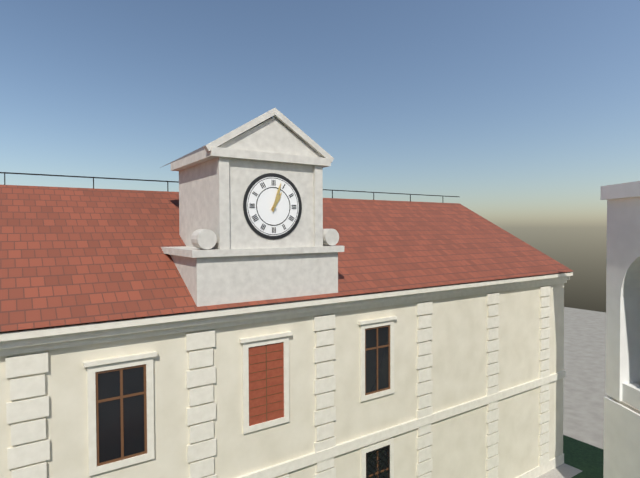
1:03
